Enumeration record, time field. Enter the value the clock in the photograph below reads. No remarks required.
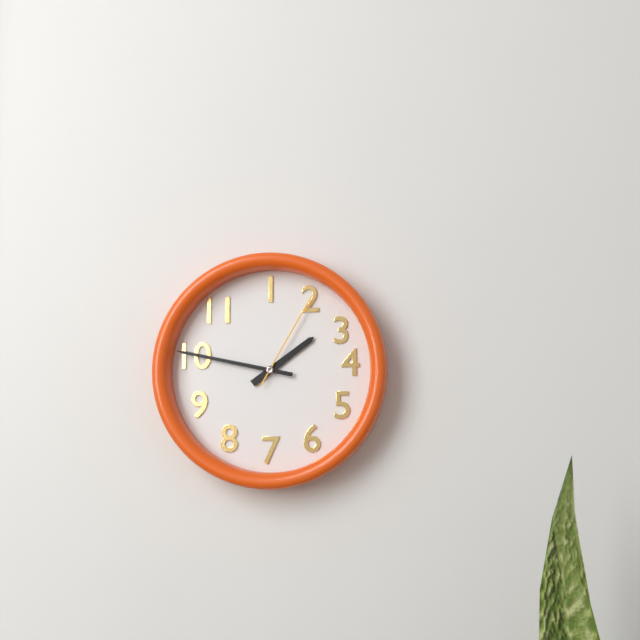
1:47:05
